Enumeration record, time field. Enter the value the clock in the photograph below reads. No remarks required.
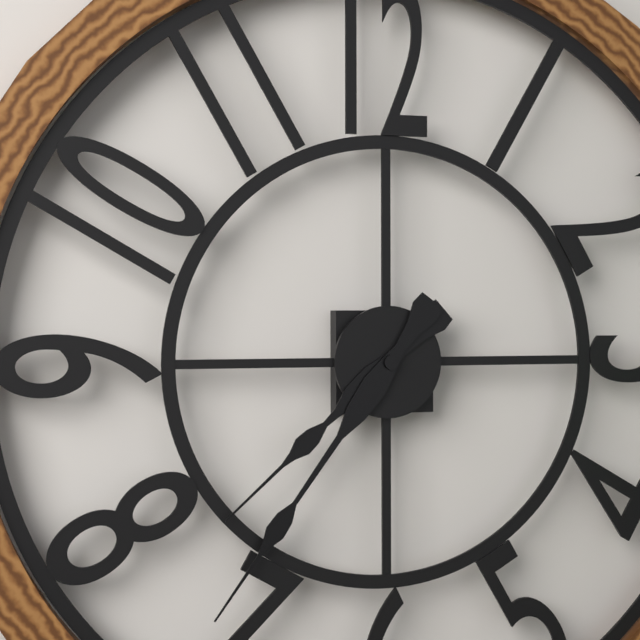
7:36
